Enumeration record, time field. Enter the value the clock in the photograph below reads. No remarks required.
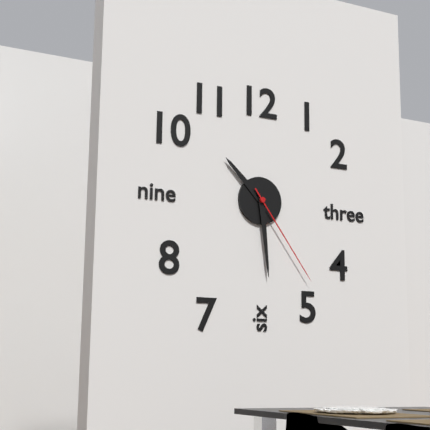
10:29:24
